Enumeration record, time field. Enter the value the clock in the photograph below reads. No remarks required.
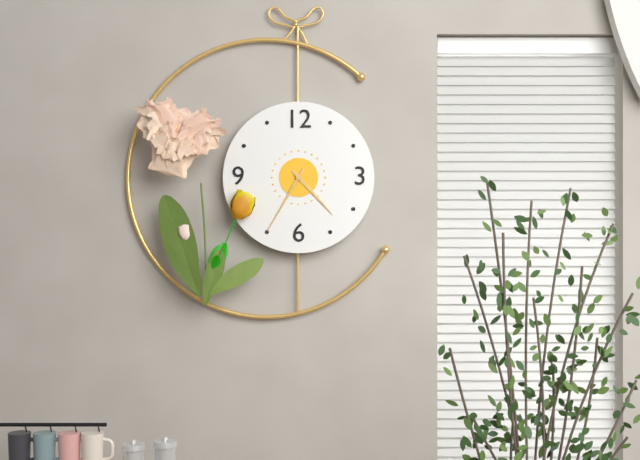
4:35
